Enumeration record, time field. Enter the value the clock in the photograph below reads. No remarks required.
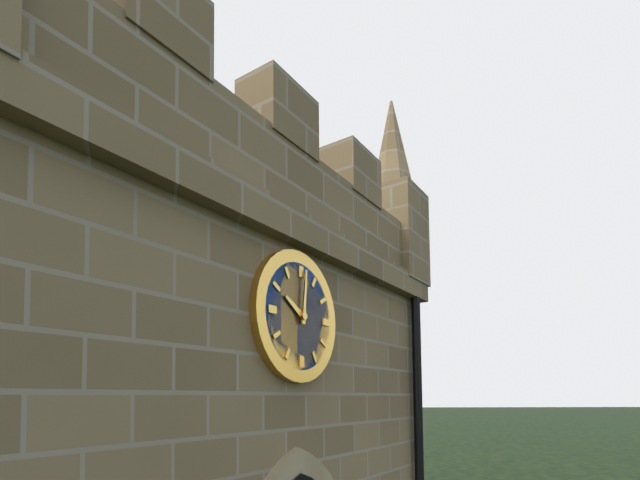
10:01
